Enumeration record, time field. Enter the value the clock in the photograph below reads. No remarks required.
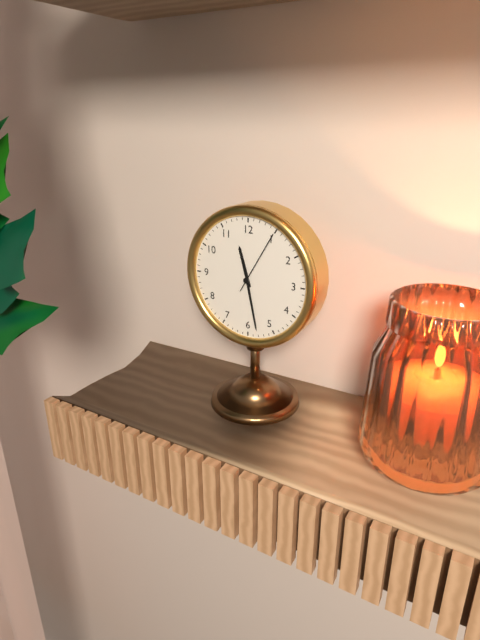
11:28:05
